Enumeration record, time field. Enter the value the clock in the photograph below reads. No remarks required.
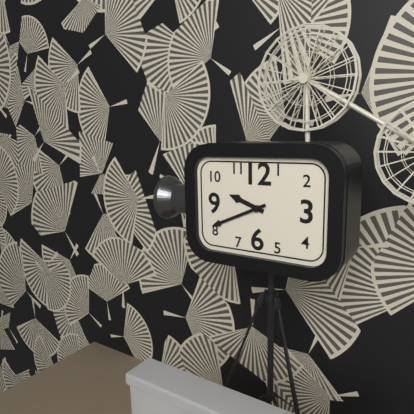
9:41
